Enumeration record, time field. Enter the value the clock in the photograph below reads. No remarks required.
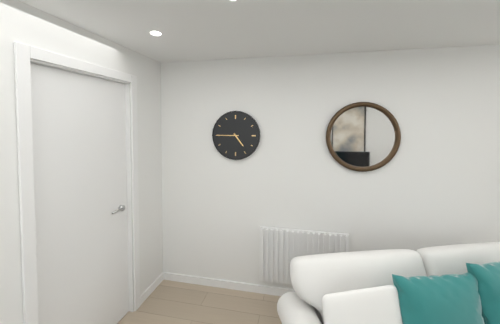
4:45
